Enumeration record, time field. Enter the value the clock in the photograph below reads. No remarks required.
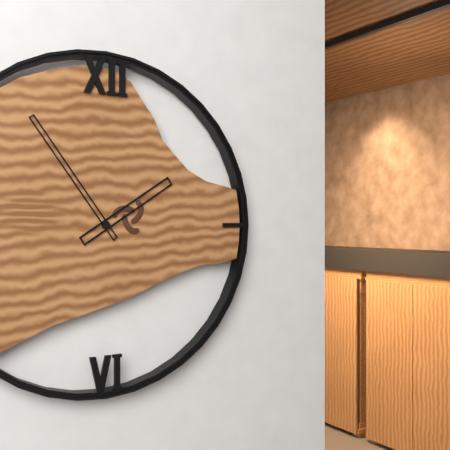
1:54
